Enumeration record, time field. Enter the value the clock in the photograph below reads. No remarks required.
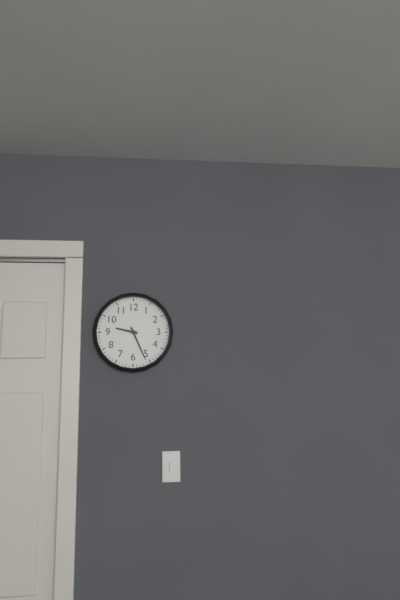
9:26
